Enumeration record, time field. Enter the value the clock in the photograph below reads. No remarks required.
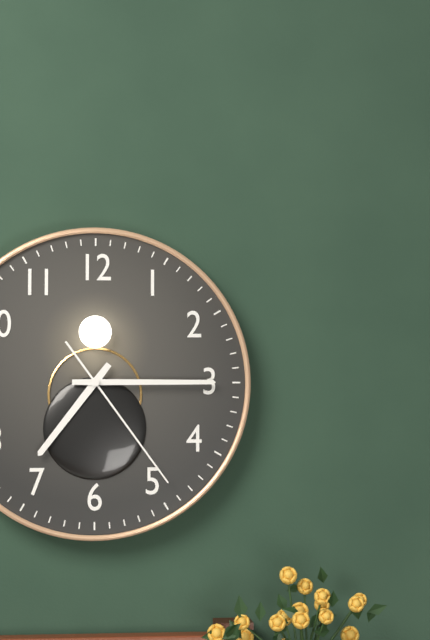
7:15:24
